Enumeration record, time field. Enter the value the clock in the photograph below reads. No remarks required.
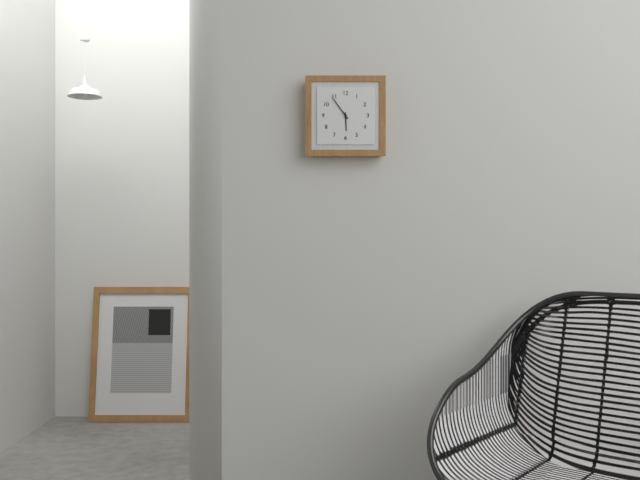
5:54
